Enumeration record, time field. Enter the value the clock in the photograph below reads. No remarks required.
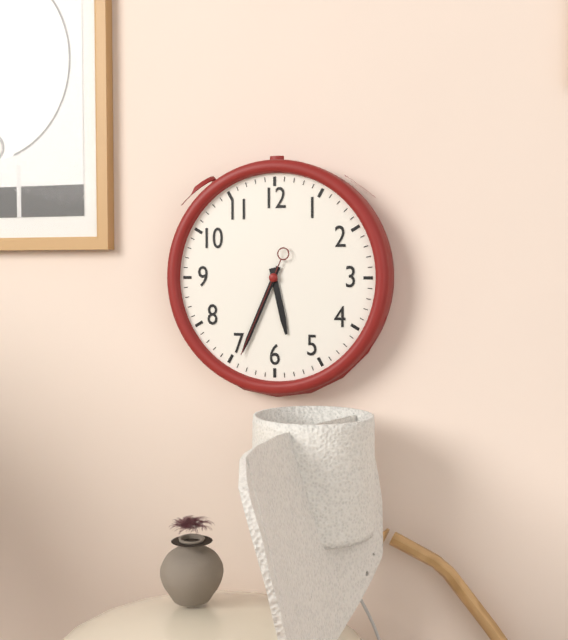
5:34:34
